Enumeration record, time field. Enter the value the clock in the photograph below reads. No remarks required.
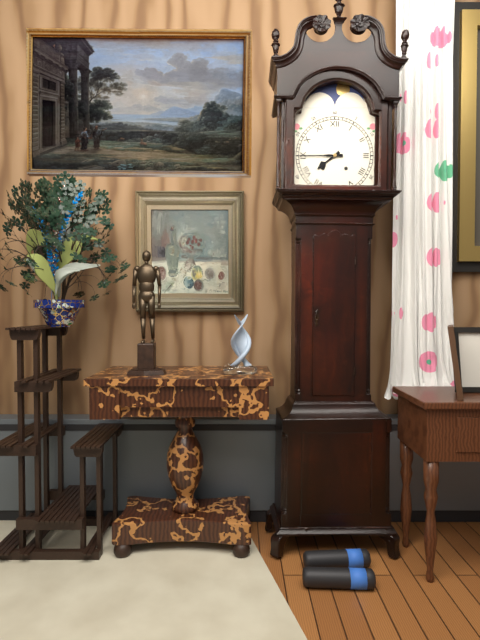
7:45
